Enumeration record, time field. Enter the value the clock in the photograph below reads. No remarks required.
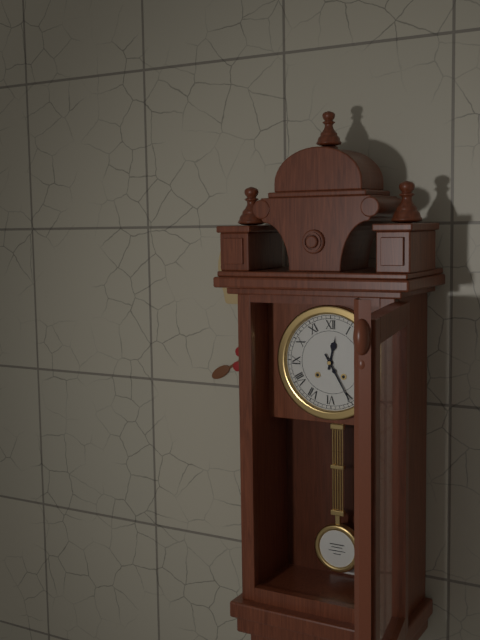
12:25
